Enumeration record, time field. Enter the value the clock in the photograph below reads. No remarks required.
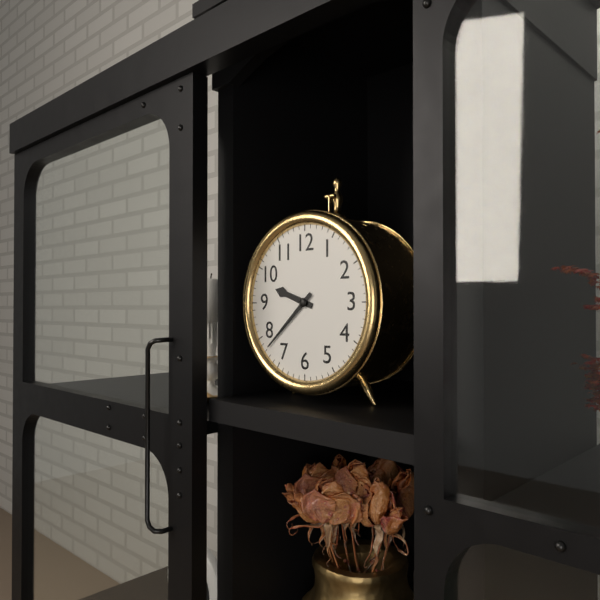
9:38
